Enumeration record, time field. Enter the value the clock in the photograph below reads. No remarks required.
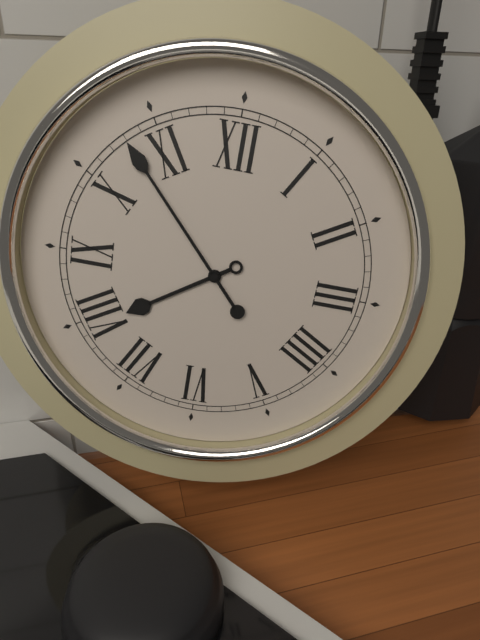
7:53
